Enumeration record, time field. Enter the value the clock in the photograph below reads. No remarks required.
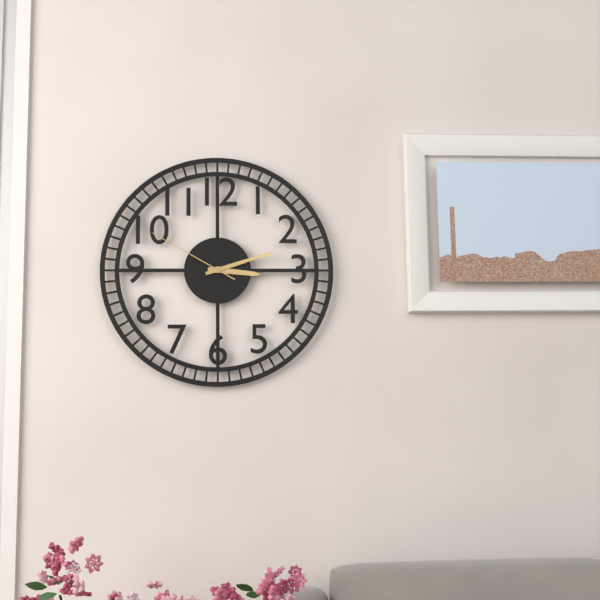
3:12:50
